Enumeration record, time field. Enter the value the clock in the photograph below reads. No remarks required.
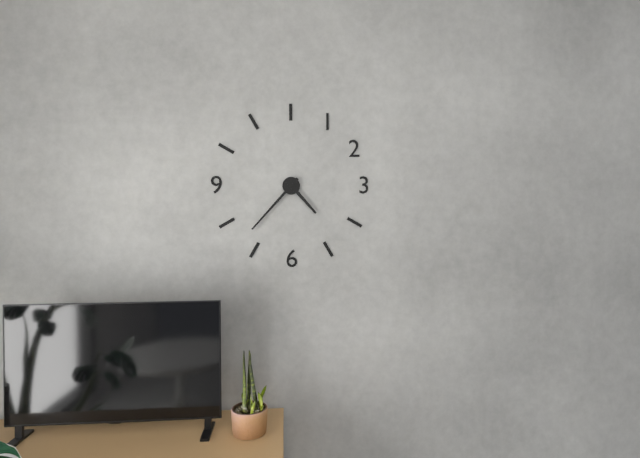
4:37
